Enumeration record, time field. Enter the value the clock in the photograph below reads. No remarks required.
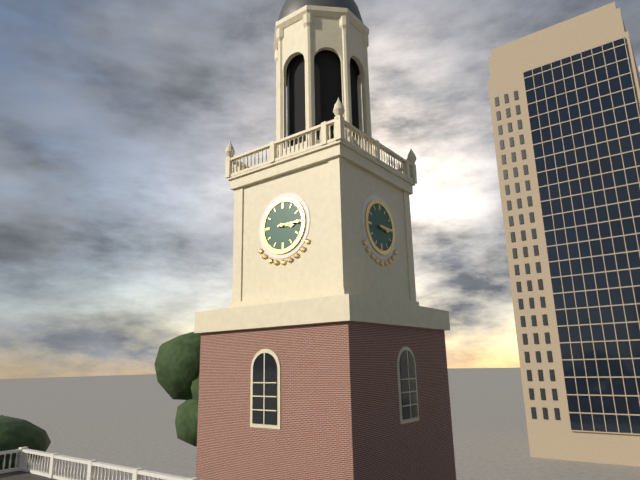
3:15
